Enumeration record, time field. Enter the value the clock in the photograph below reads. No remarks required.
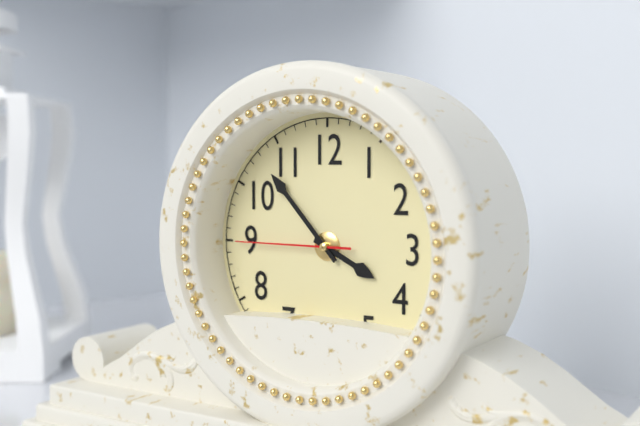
3:53:45
